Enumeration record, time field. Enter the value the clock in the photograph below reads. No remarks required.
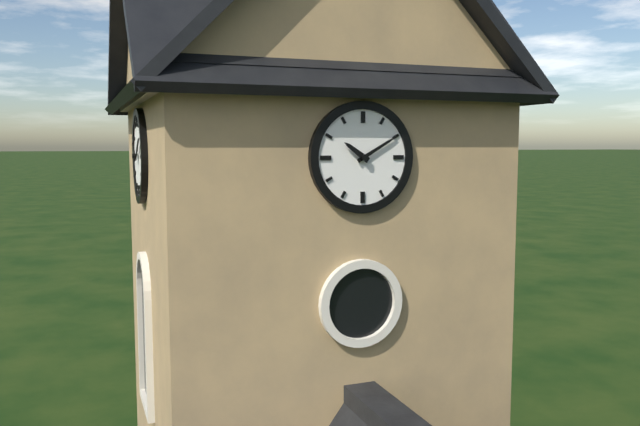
10:10
